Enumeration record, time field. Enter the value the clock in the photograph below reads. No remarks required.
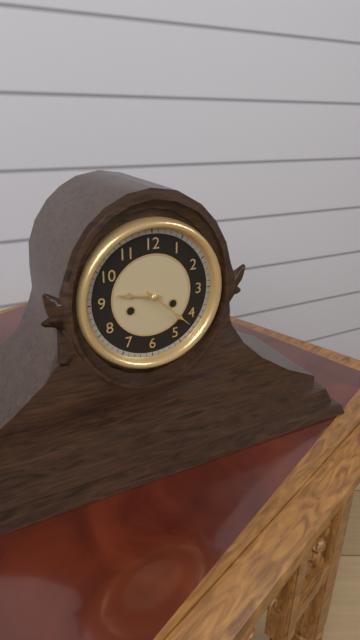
9:22
